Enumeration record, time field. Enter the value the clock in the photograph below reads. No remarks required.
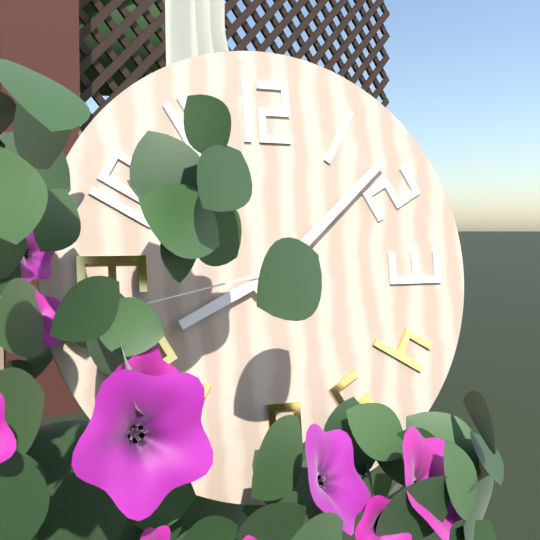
8:08:43
